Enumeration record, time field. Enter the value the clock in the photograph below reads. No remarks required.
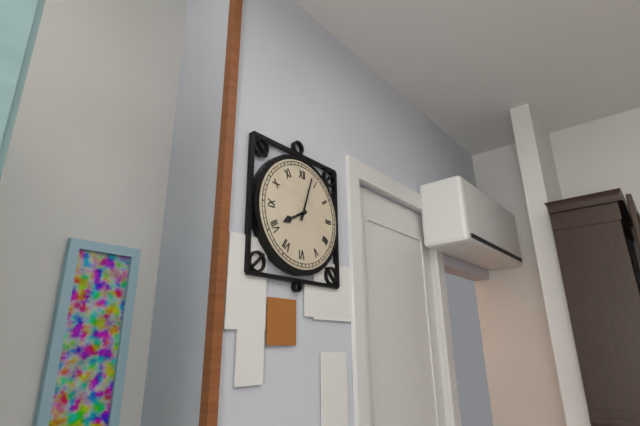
8:03
